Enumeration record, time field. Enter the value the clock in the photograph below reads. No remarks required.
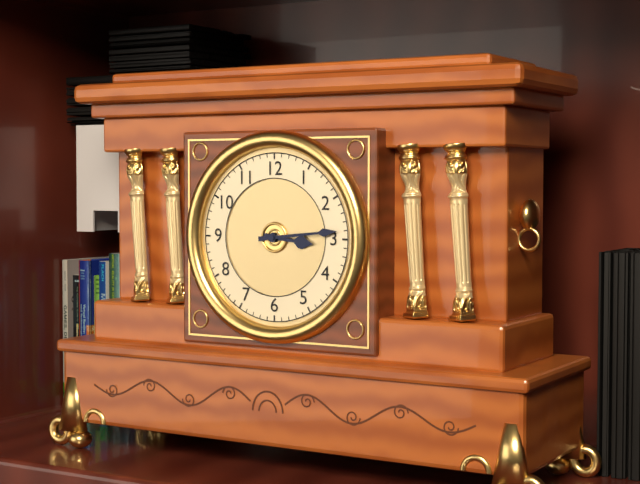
3:14
